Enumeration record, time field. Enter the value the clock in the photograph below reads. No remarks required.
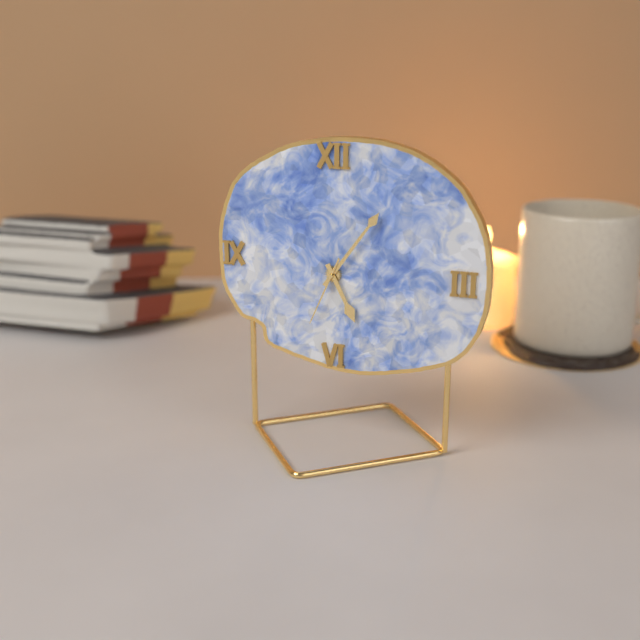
5:06:34
